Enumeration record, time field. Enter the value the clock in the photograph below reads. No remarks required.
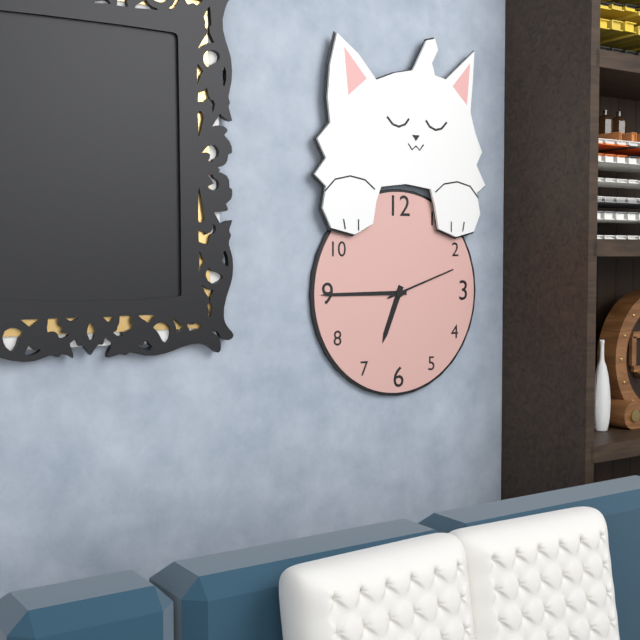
6:45:12
